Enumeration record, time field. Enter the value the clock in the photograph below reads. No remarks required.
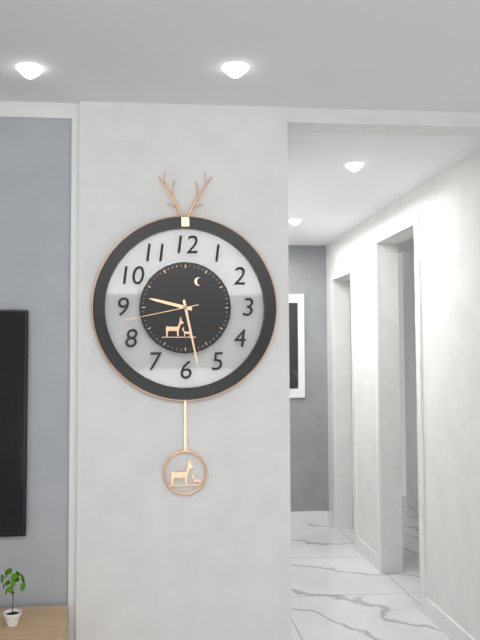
9:28:43
